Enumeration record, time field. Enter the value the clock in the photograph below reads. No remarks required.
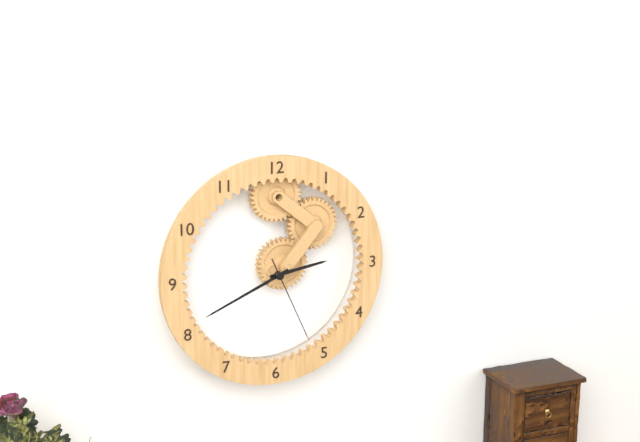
2:41:26
